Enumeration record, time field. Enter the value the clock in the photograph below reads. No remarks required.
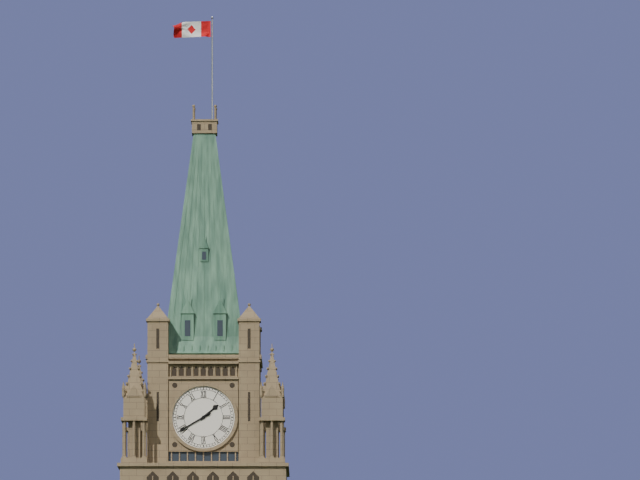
1:40
